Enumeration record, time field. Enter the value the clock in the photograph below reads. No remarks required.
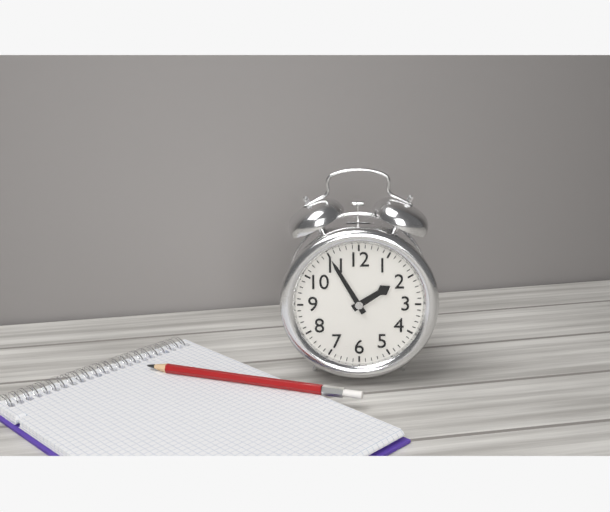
1:55
